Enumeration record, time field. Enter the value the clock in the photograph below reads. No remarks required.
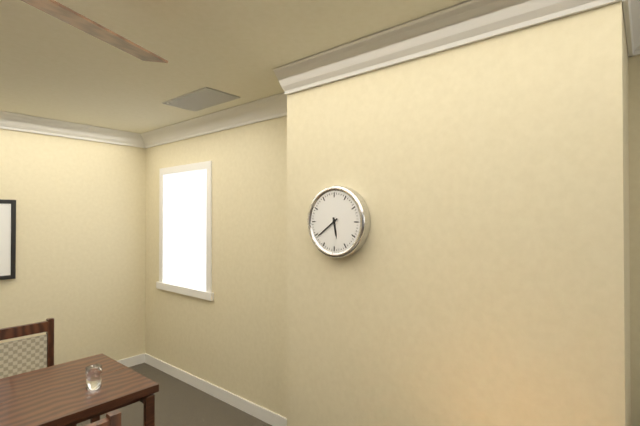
5:39
